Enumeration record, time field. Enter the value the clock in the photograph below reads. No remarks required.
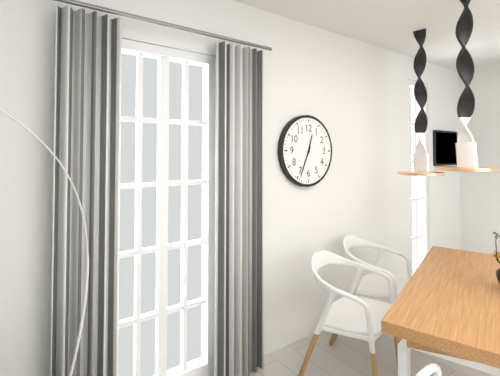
12:34
